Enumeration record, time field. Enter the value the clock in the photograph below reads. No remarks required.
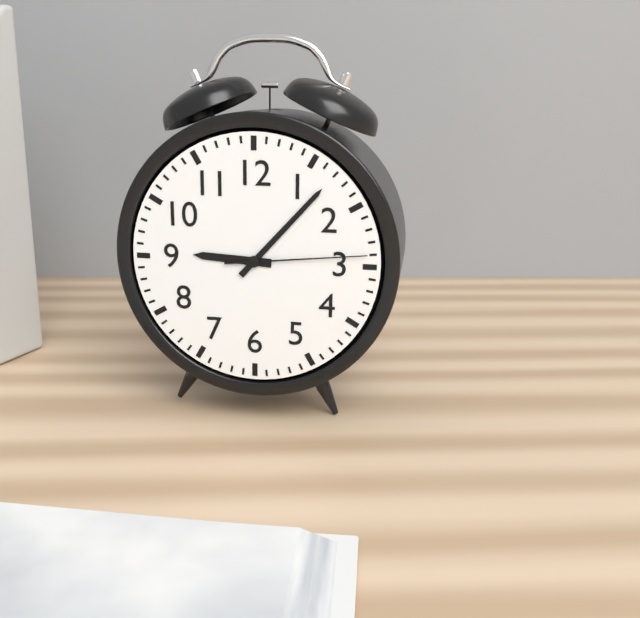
9:07:14
